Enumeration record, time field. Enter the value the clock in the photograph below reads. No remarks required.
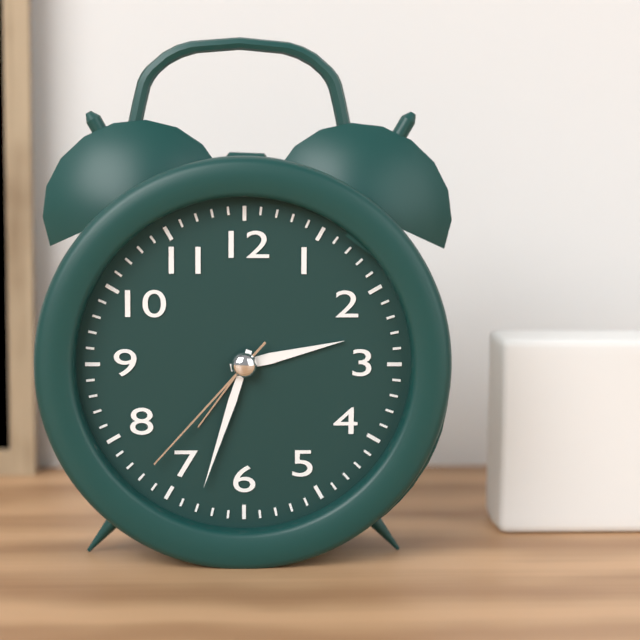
2:33:37
